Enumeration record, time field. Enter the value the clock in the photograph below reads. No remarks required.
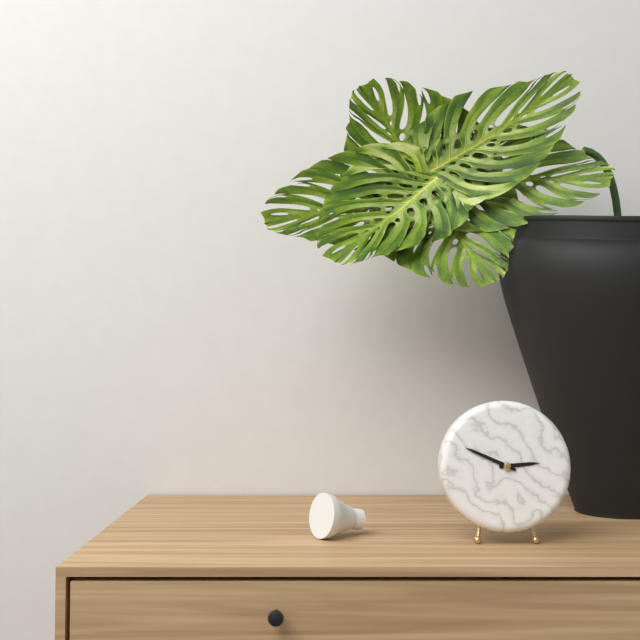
2:49
